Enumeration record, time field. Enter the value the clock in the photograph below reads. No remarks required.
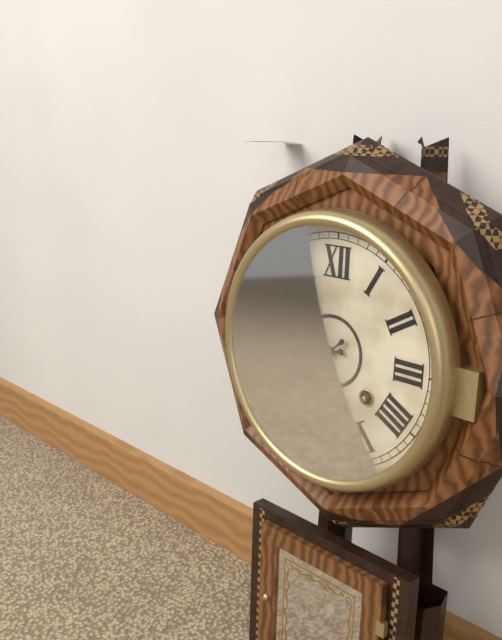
8:38
